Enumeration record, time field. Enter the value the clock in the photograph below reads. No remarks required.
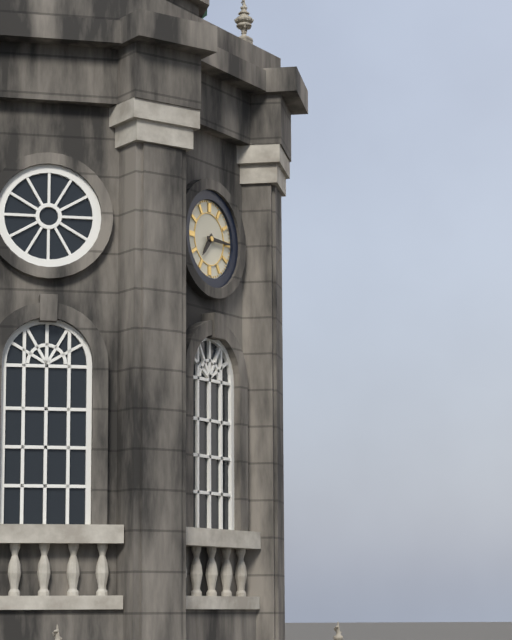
7:15
